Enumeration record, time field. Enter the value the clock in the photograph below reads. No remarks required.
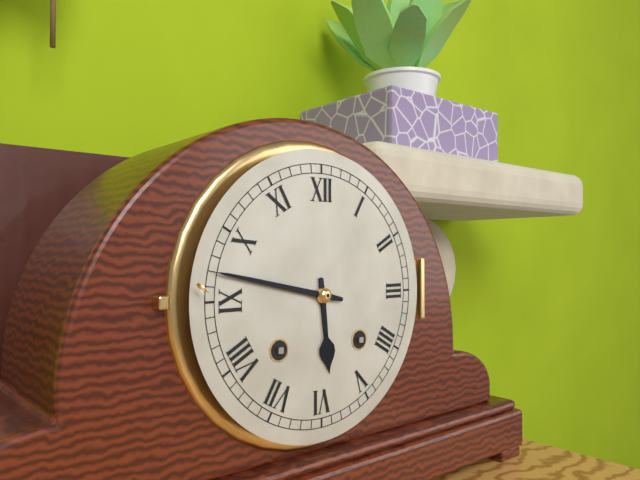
5:47
